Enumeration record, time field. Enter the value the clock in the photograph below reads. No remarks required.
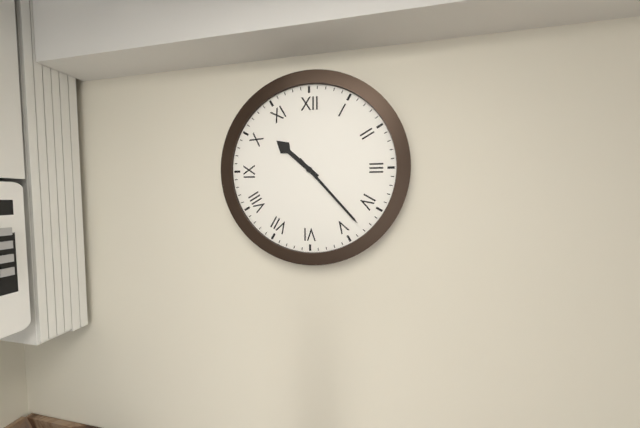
10:23
